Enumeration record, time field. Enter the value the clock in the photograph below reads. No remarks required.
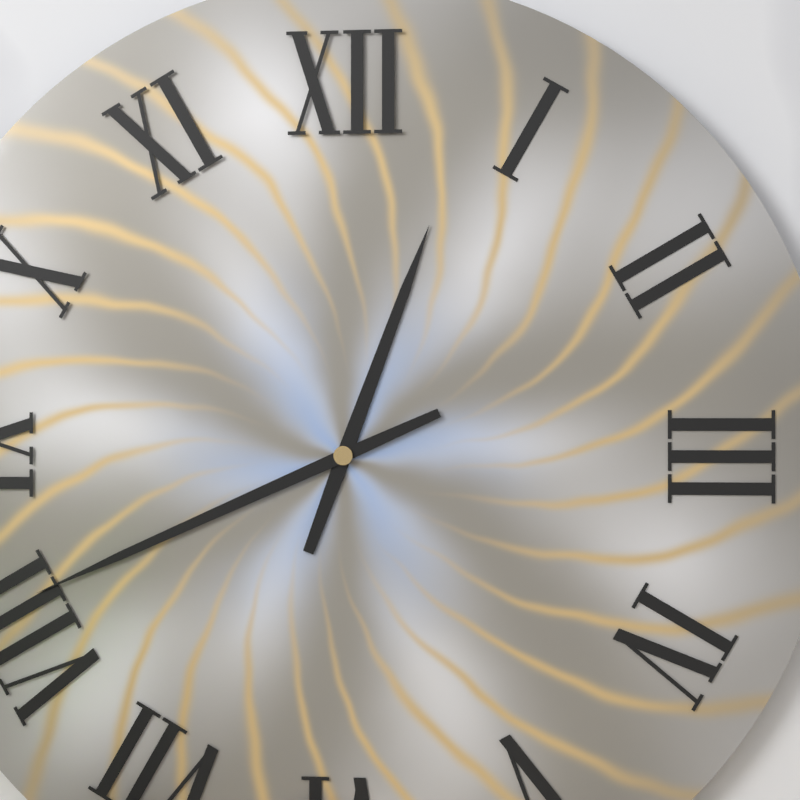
12:41
